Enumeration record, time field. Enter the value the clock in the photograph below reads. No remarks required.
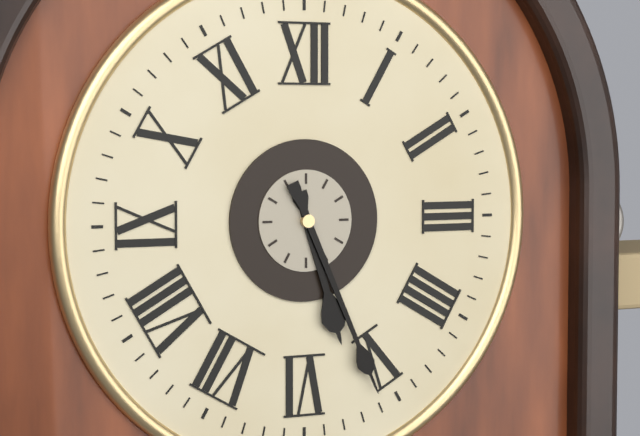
5:26
